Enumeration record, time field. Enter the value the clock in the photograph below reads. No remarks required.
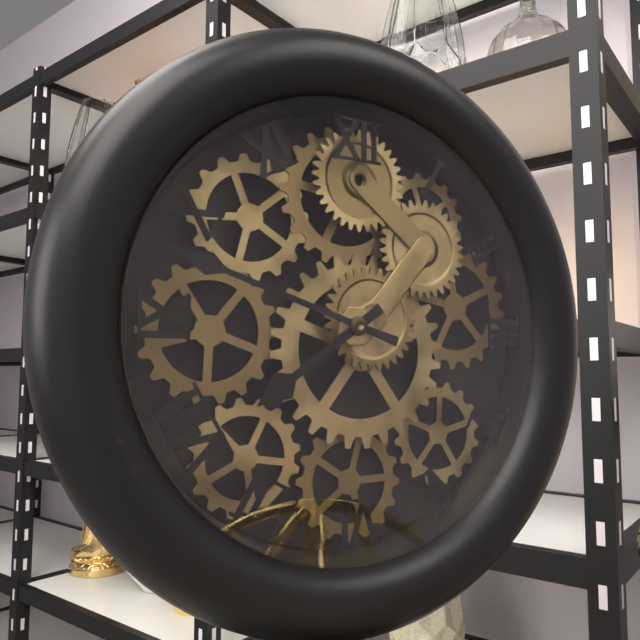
7:48
